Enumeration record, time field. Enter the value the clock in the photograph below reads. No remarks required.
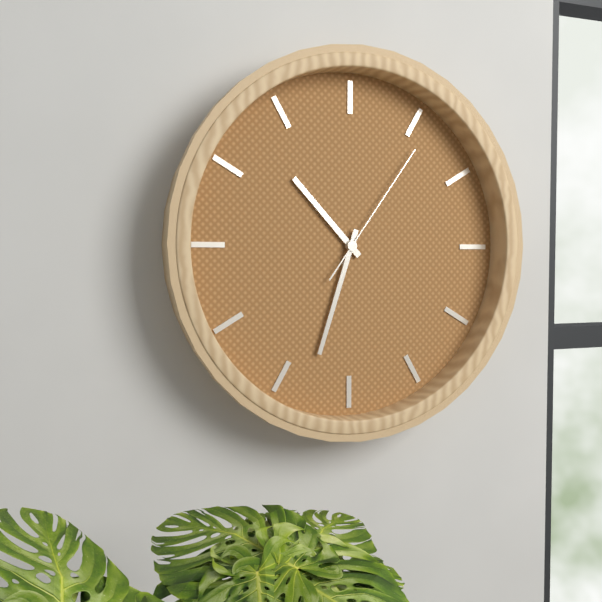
10:33:06
